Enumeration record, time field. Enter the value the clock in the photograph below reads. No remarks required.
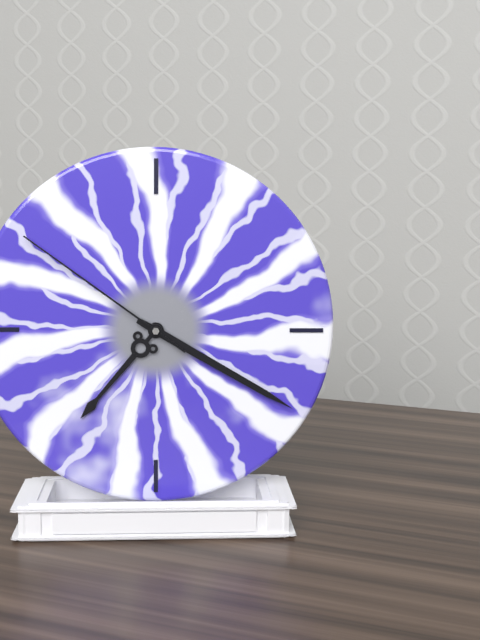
7:20:51
